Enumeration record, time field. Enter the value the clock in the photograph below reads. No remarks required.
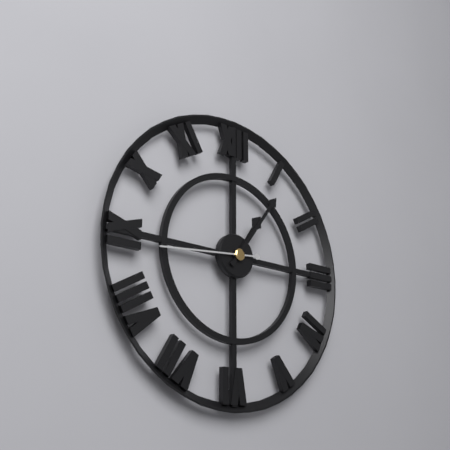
1:06:44
